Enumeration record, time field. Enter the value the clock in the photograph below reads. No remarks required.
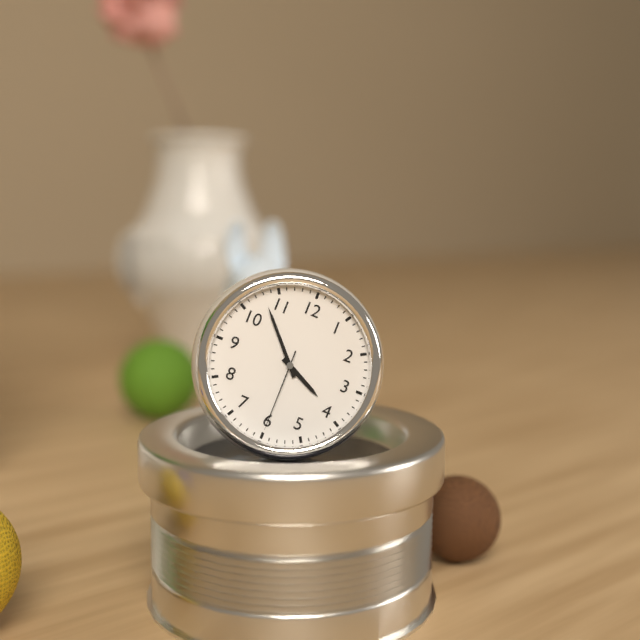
3:53:30
